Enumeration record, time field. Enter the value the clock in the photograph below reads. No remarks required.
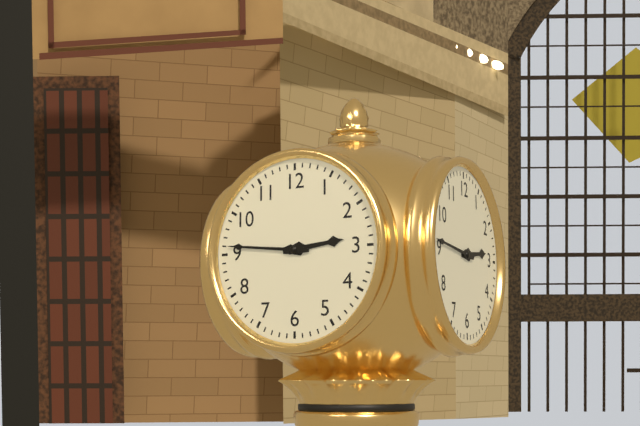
2:46
